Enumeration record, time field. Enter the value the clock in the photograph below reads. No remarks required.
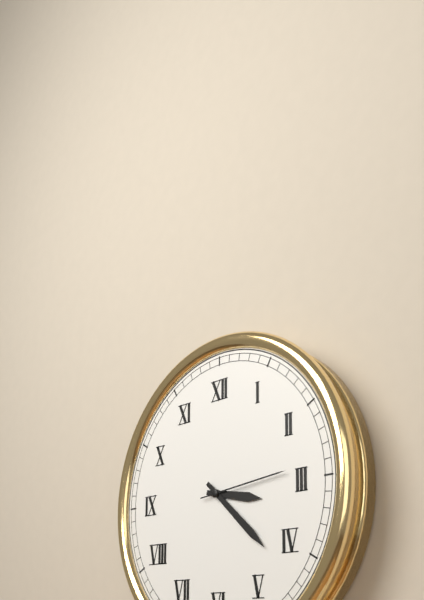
3:22:14
